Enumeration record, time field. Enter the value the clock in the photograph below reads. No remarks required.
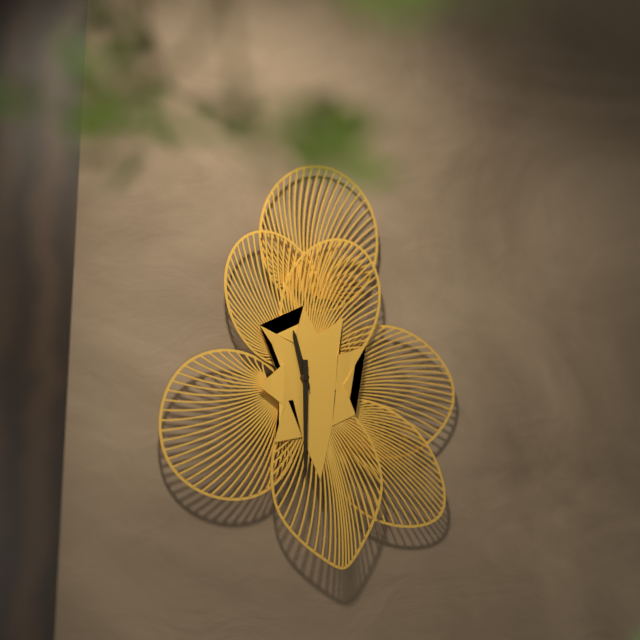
11:30
